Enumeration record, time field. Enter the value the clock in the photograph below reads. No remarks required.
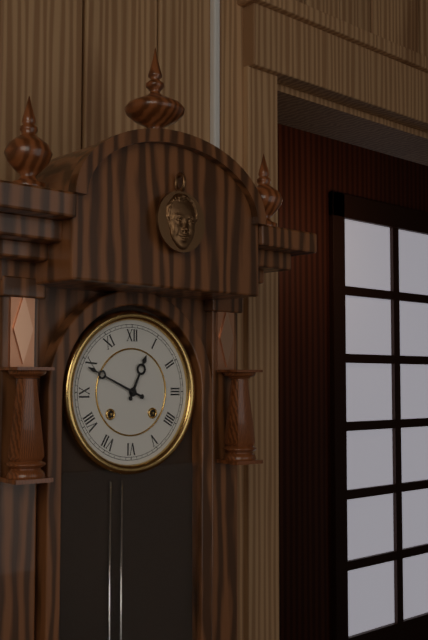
12:49
